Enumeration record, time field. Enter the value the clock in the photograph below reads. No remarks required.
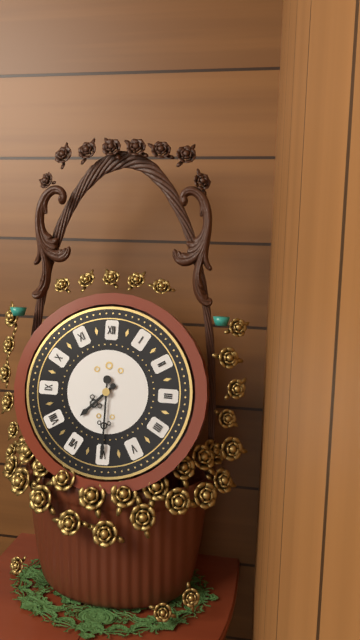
7:30
